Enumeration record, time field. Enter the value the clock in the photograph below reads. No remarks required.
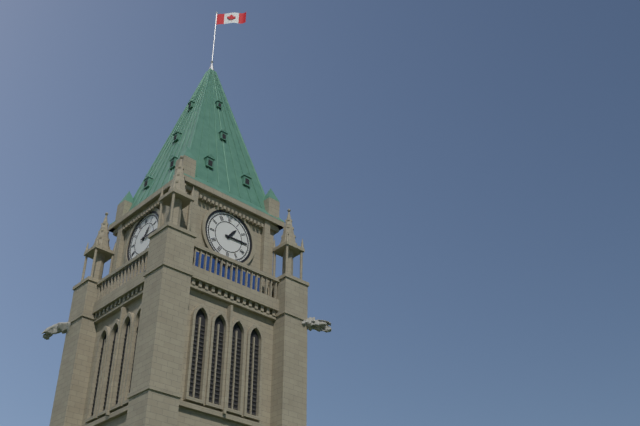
1:15
